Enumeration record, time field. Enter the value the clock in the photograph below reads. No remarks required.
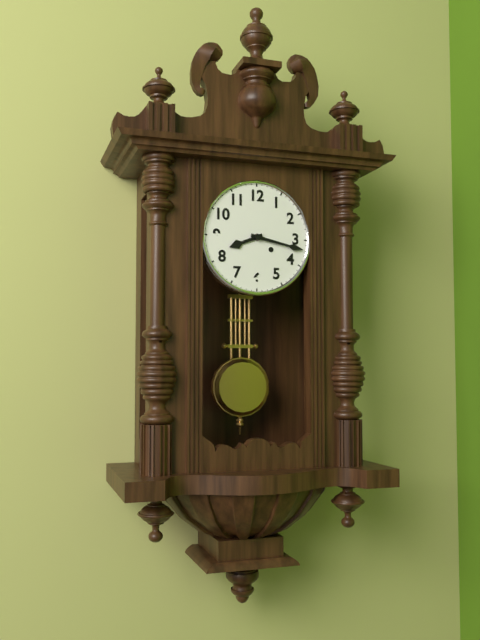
8:17
